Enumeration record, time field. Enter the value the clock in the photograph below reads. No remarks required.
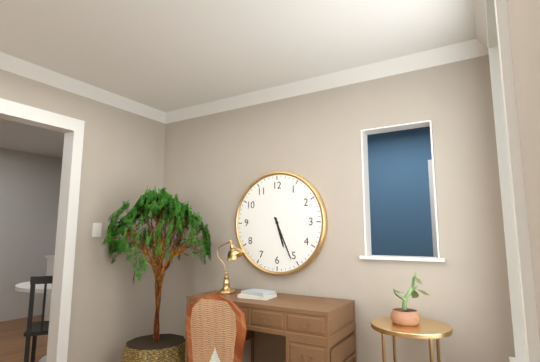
5:26
